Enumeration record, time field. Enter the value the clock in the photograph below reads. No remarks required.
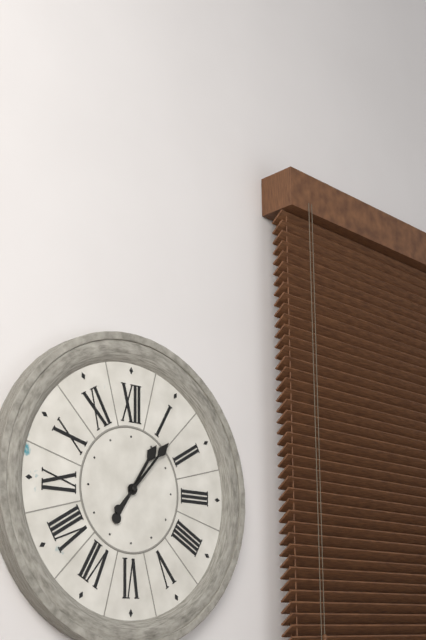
1:07
